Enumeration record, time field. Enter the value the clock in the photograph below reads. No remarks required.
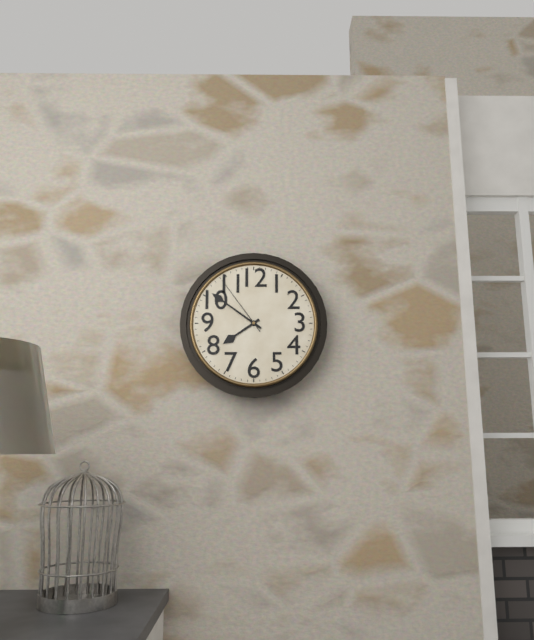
7:51:54
